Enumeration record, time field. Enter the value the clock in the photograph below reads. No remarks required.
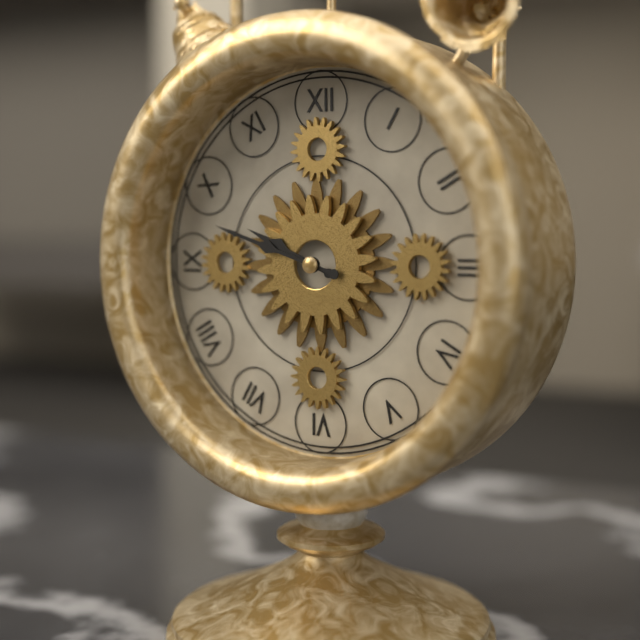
9:48
